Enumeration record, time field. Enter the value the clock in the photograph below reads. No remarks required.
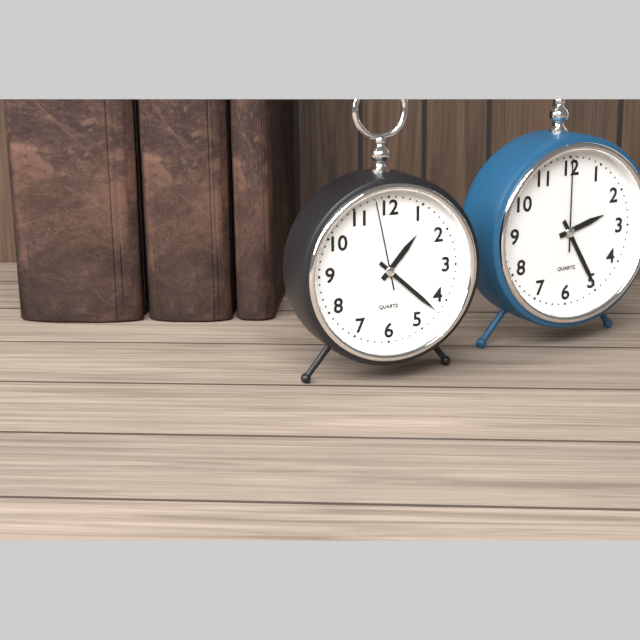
1:22:58
